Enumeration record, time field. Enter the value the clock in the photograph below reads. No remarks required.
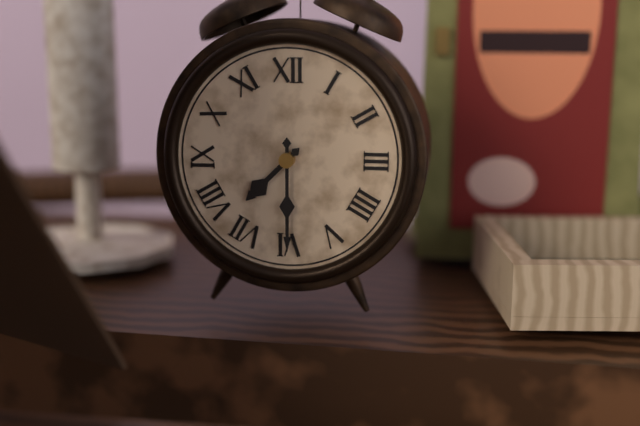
7:30
